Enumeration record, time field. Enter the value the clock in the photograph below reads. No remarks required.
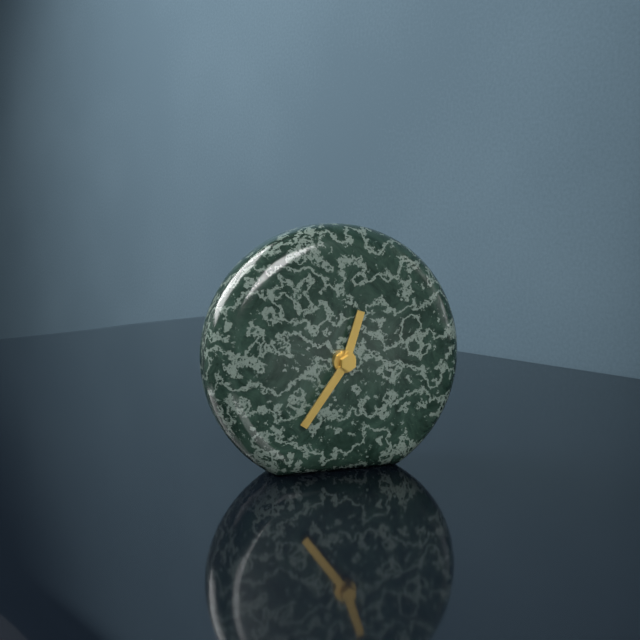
12:36
